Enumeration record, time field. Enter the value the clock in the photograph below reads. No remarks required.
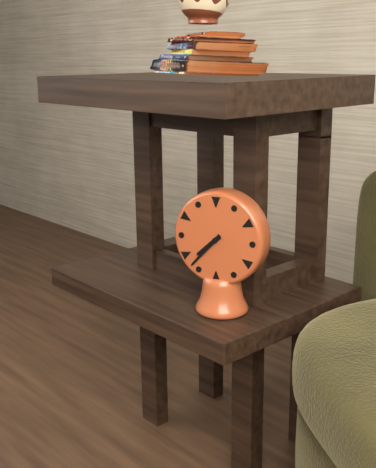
7:37
